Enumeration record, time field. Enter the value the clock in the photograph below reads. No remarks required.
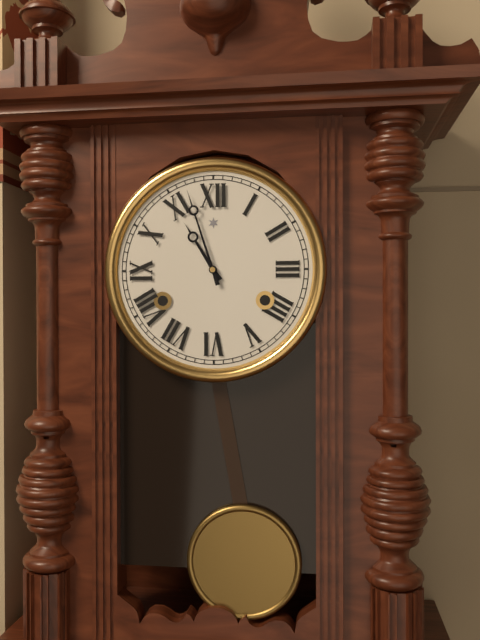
10:57
